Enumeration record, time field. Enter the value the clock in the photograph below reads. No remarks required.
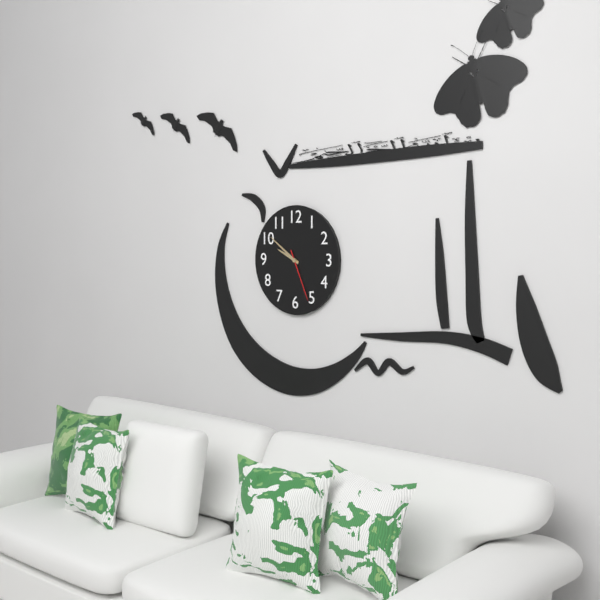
9:51:26
